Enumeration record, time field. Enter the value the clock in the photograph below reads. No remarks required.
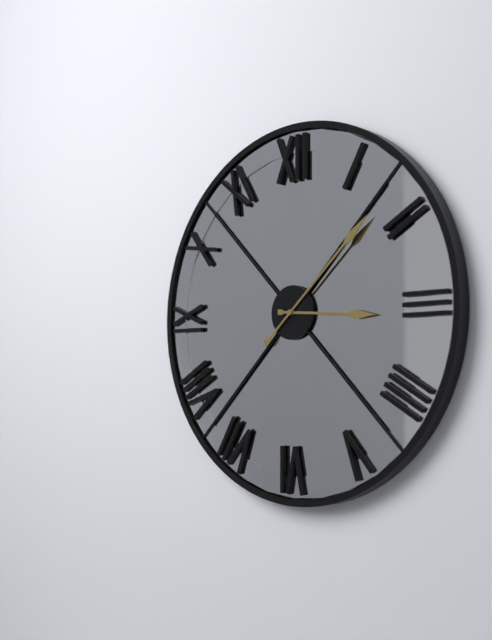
3:08
